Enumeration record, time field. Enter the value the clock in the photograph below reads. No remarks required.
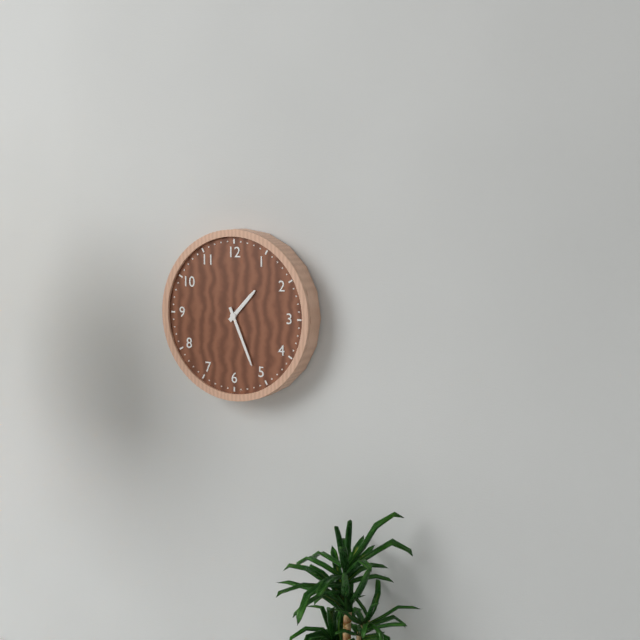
1:26
